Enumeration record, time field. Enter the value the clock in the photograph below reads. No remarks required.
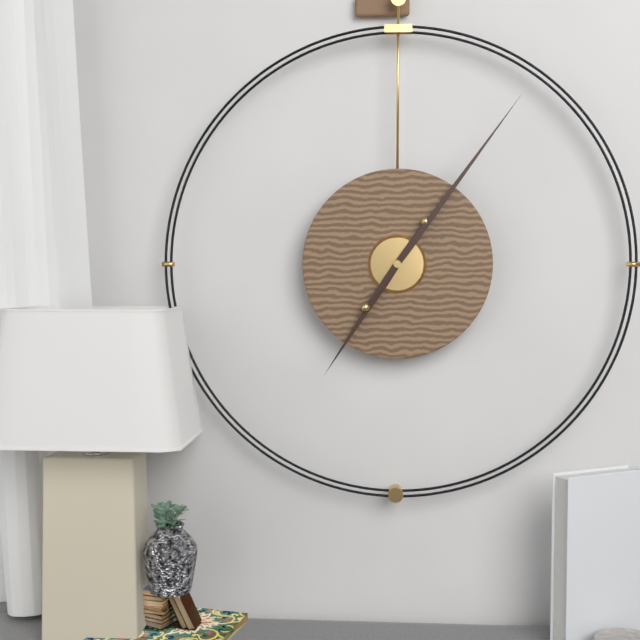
7:06
